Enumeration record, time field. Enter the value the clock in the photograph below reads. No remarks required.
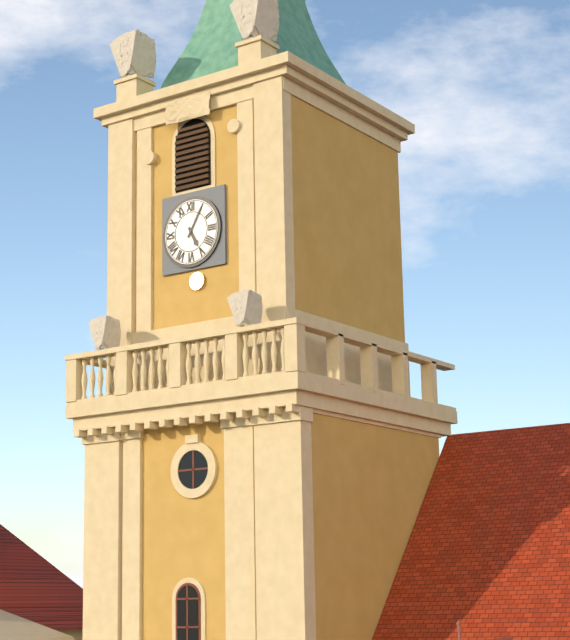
5:05
